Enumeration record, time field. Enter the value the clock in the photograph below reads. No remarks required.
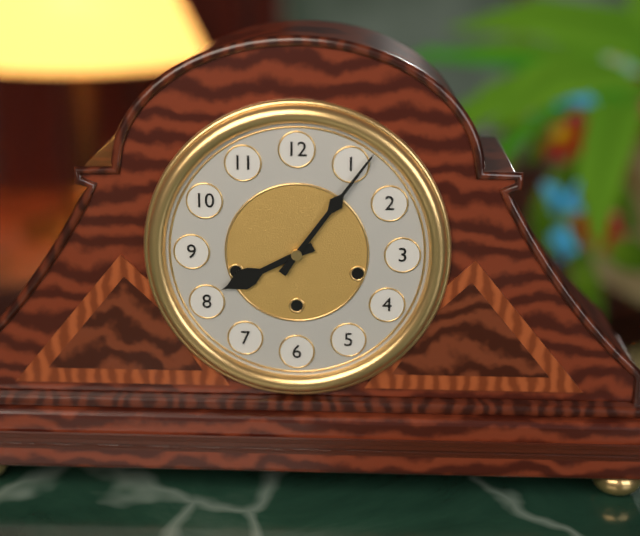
8:06
